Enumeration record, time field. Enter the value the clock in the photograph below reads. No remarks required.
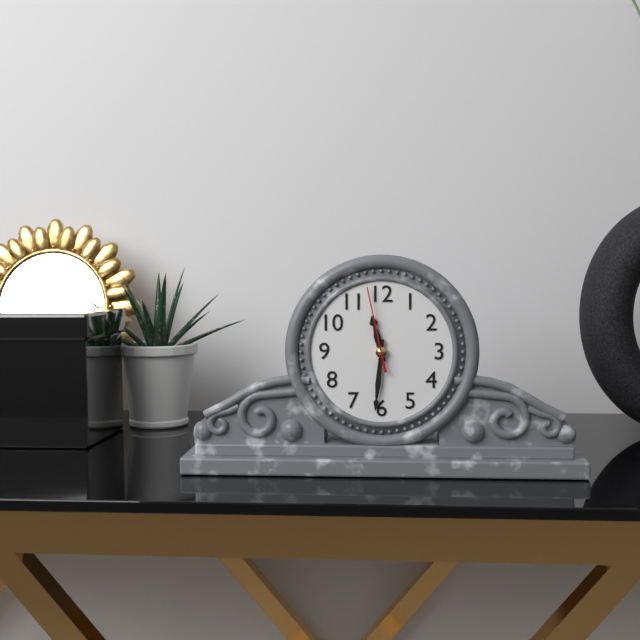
11:31:58
